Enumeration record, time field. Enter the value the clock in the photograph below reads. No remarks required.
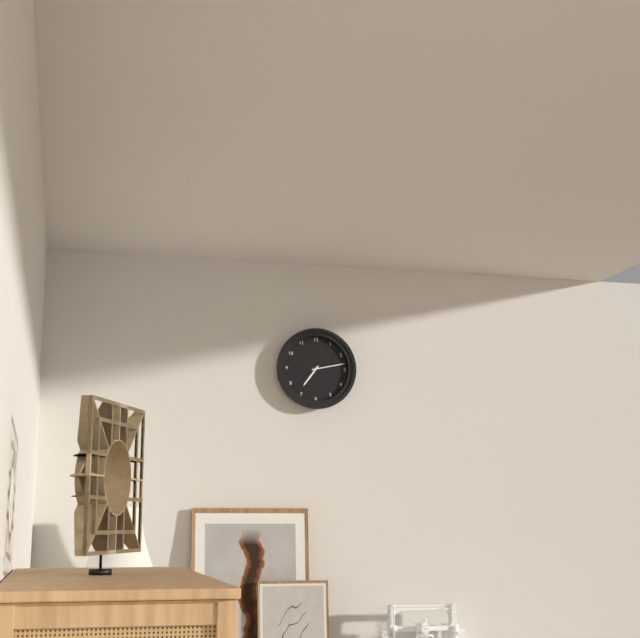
7:13
